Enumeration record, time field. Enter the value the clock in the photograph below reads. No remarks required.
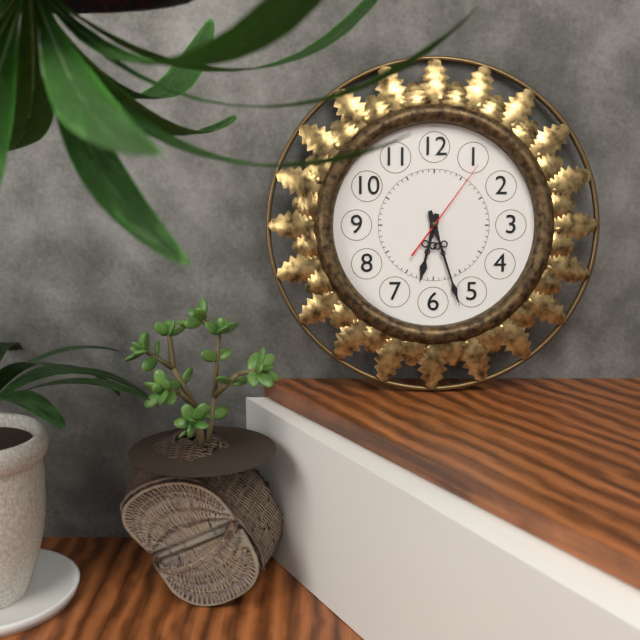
6:27:06
